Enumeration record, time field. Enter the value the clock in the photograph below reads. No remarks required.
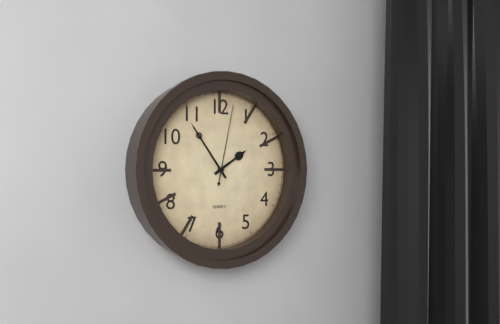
1:54:02
